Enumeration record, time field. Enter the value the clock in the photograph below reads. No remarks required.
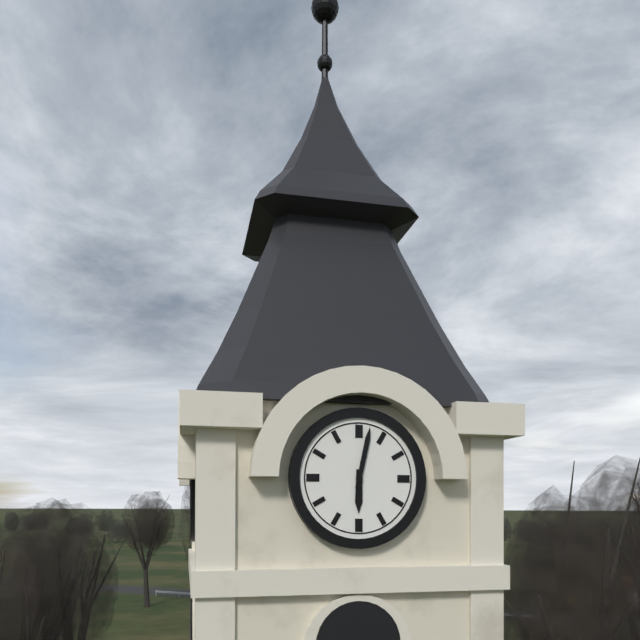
6:02
